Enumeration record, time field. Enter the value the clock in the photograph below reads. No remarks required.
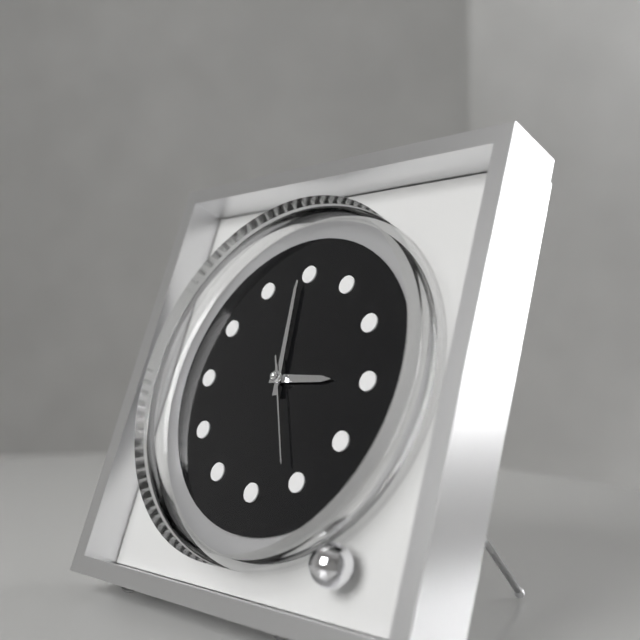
2:59:26
